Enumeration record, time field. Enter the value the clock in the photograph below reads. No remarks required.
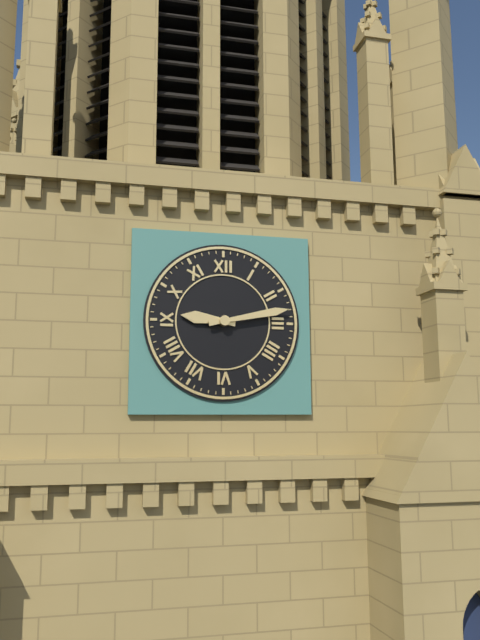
9:13
